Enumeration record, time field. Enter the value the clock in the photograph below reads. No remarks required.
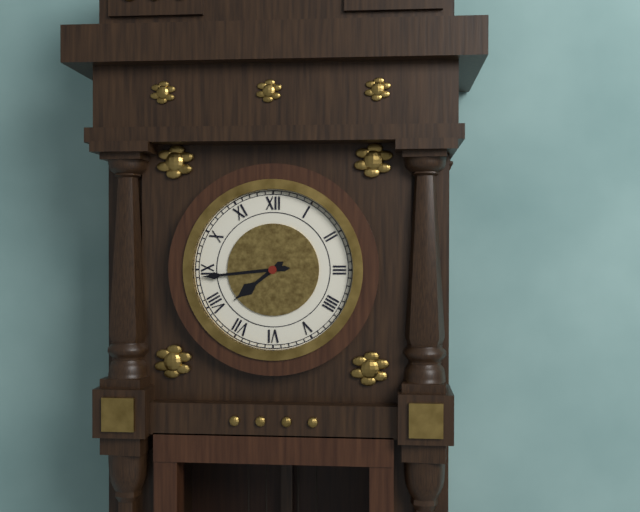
7:44
